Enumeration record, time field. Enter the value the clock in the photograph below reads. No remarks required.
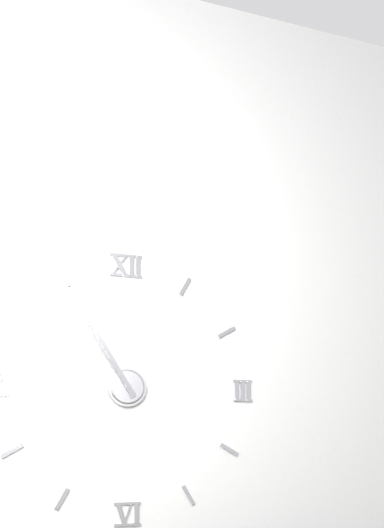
10:55
